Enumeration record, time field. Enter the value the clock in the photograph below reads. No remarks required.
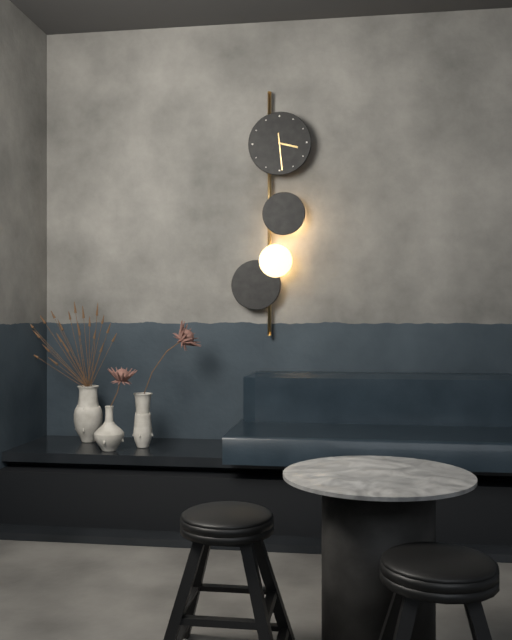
3:29
